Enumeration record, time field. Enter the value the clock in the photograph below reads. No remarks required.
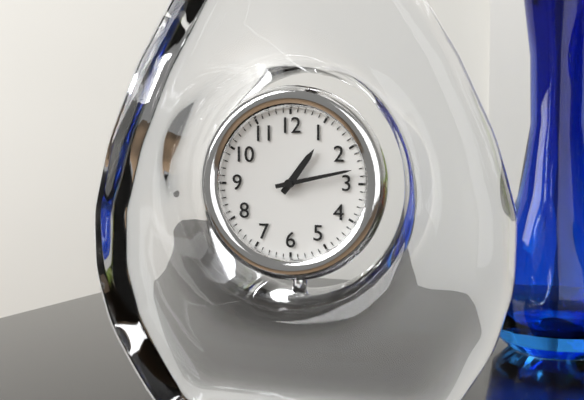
1:13
